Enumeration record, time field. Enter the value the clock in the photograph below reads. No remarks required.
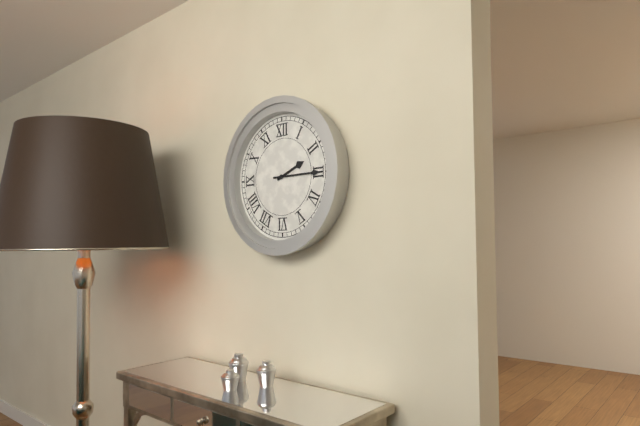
2:15
